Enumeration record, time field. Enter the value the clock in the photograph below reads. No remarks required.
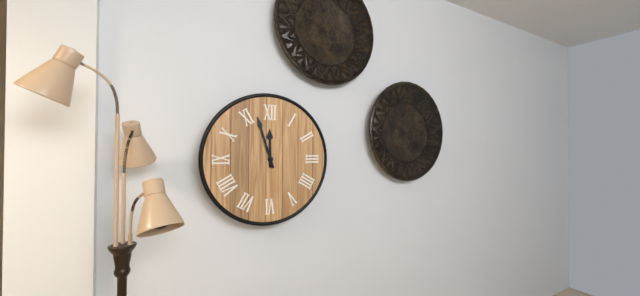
11:57
